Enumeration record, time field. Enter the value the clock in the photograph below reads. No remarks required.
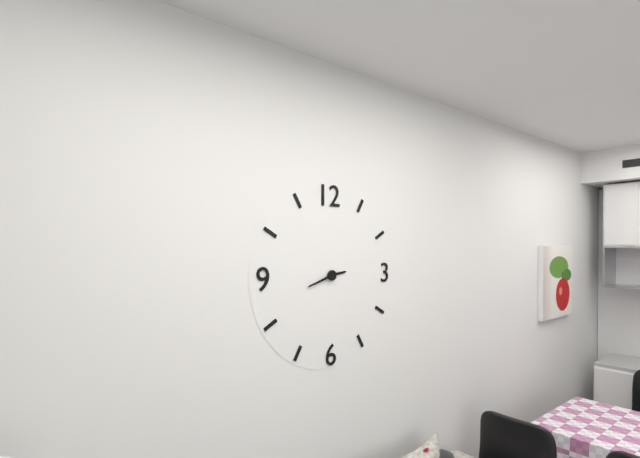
2:42
